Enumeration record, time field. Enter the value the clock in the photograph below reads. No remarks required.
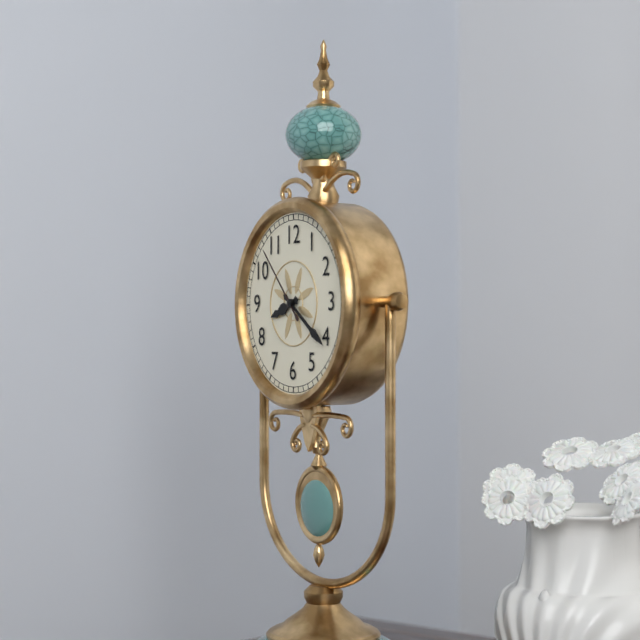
8:21:53
